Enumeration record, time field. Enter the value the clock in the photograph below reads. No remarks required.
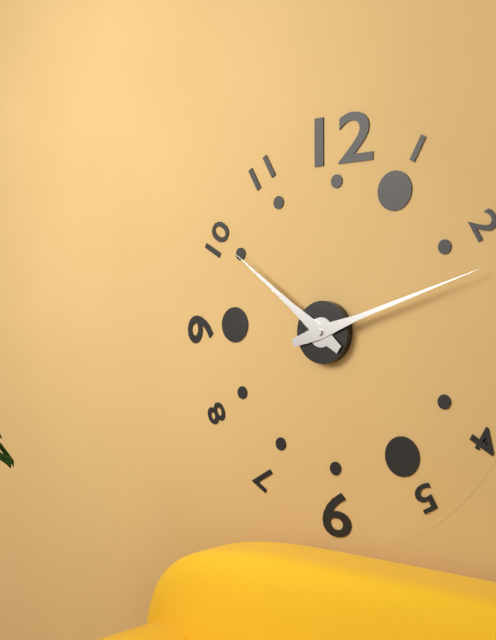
10:12
